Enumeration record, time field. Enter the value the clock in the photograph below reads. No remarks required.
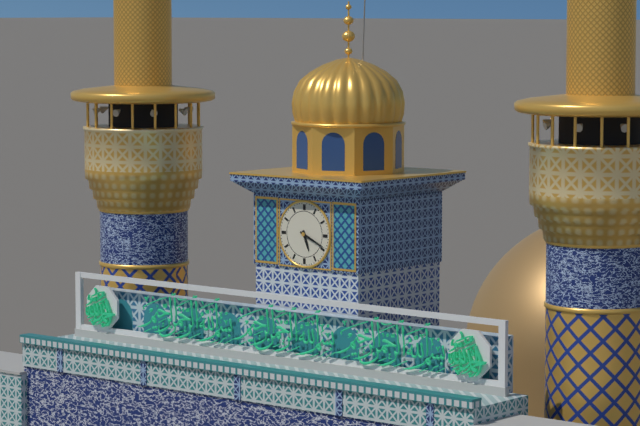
5:19
